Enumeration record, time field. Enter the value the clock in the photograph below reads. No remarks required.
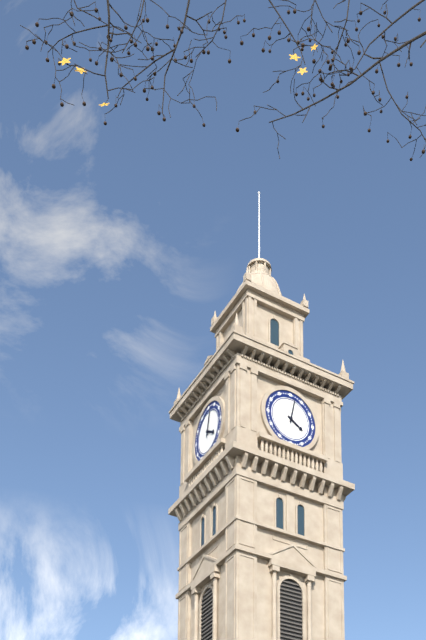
4:02
